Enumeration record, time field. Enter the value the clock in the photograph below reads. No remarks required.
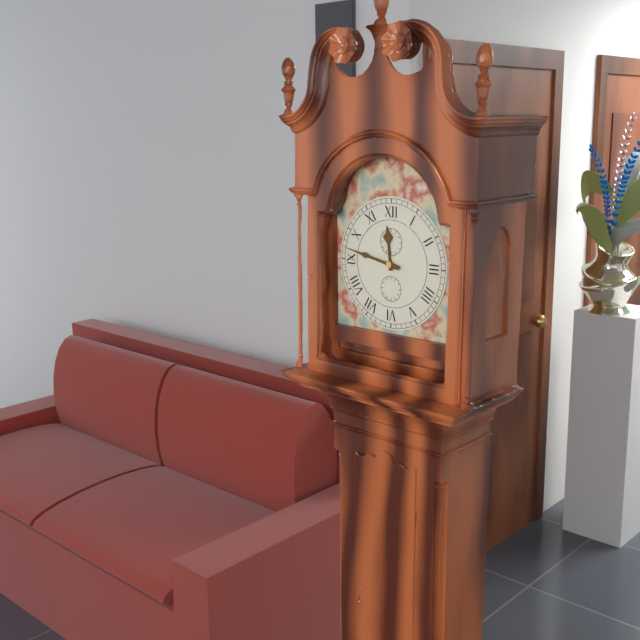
11:47
